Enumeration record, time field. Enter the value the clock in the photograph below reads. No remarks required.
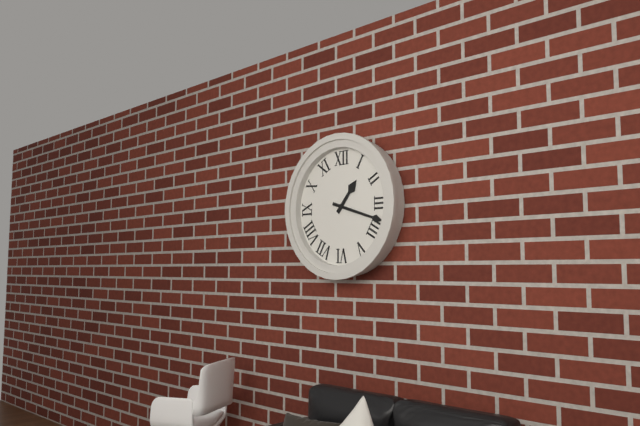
1:18
